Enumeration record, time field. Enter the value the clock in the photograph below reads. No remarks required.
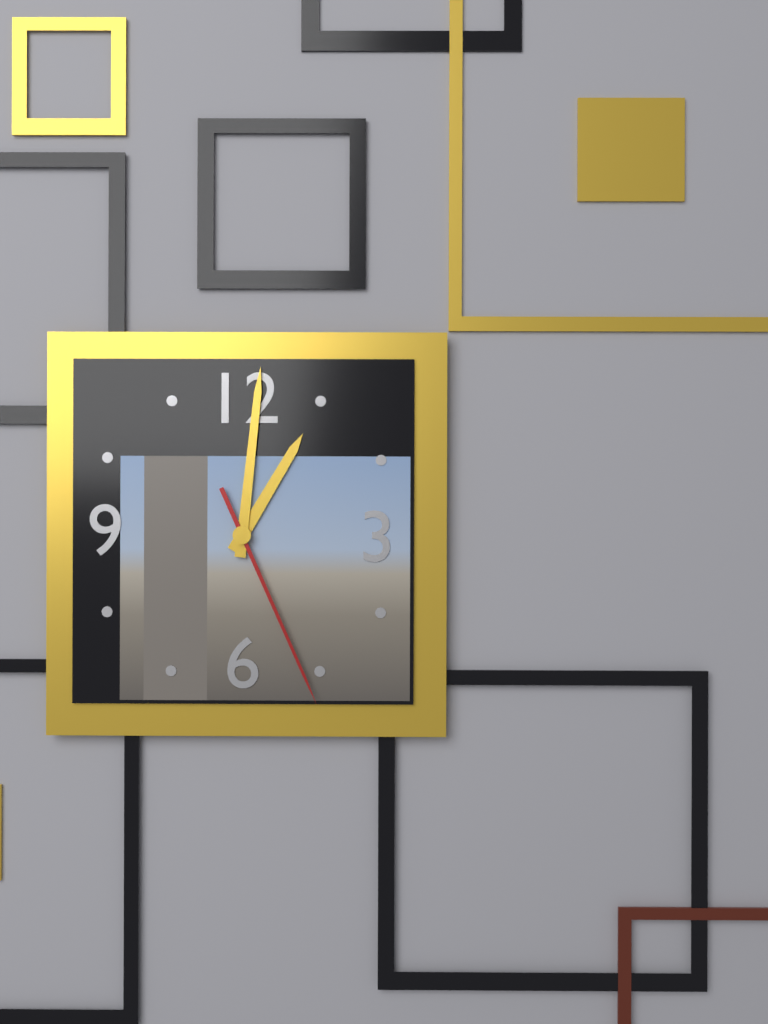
1:01:26
